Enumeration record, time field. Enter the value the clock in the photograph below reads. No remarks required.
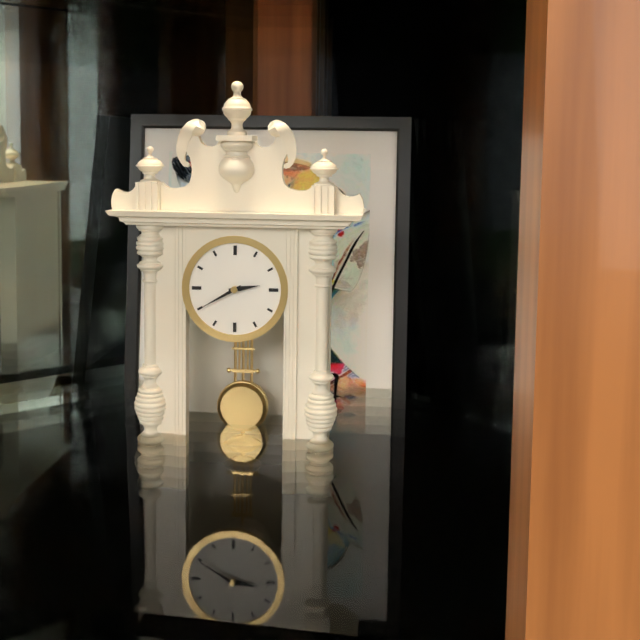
2:40
